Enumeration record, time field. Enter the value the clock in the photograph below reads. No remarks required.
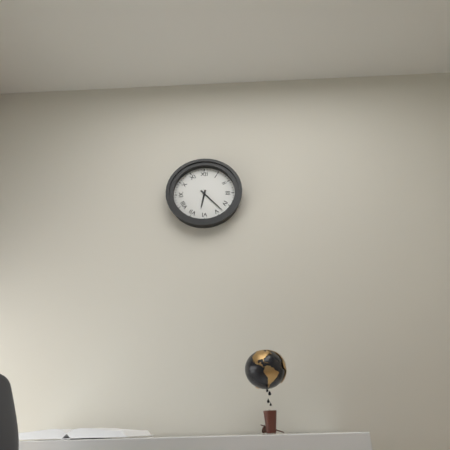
6:23
